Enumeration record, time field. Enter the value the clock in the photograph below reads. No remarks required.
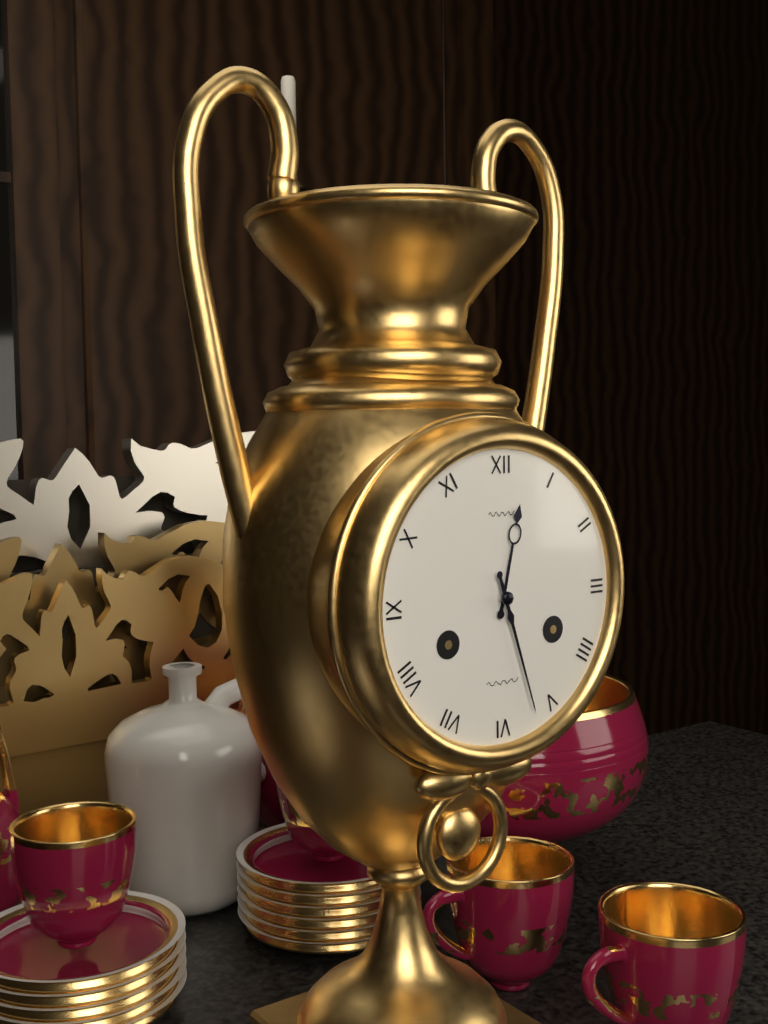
12:27
